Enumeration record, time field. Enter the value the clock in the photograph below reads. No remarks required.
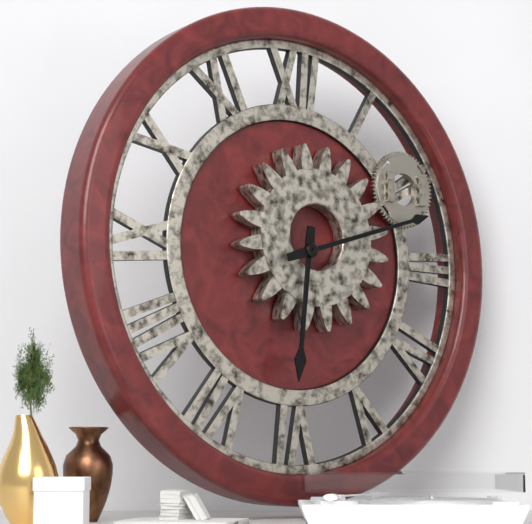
6:12
